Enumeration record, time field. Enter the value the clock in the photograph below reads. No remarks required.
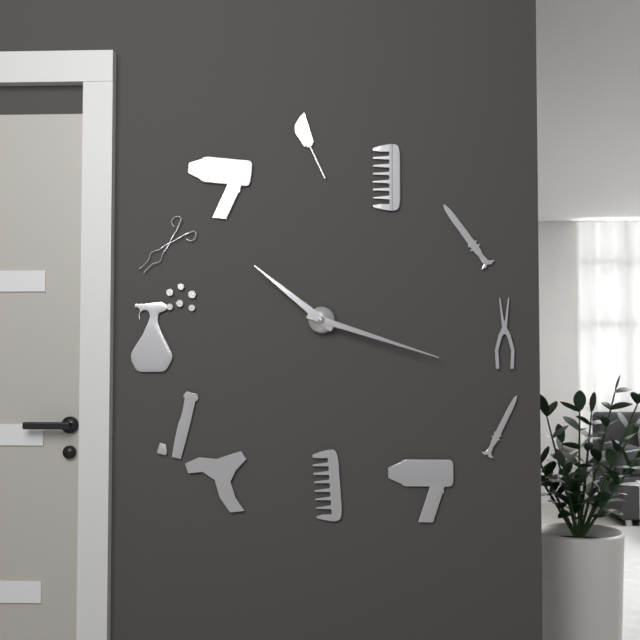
10:18
